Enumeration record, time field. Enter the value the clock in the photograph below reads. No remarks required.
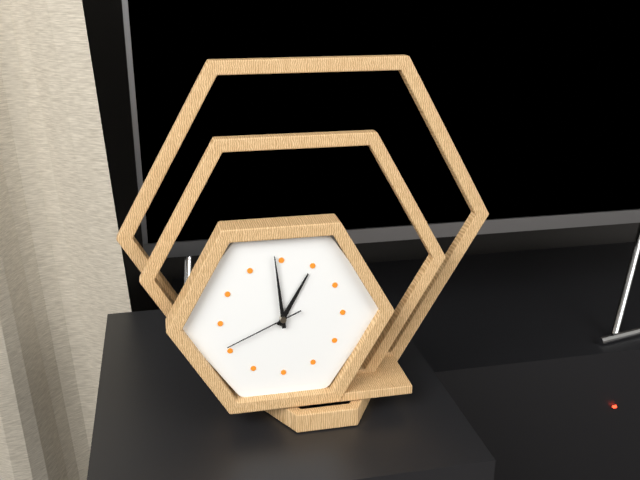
12:59:41
